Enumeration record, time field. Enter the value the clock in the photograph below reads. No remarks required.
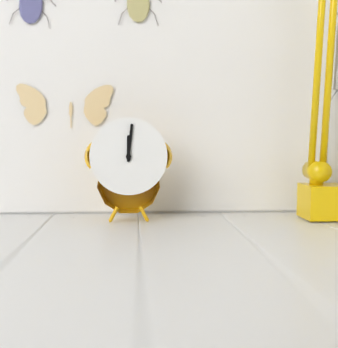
12:01
